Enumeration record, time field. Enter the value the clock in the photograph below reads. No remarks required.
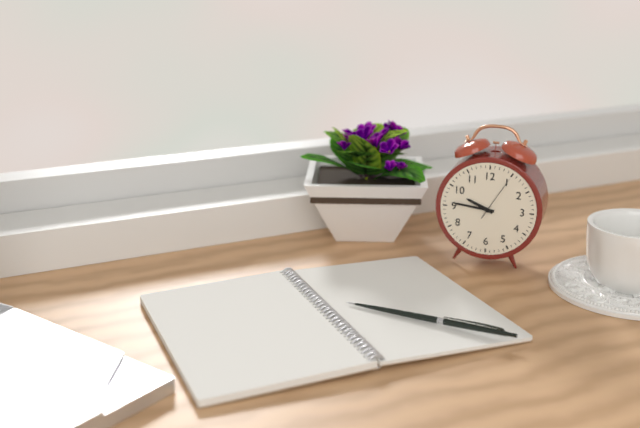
9:46
